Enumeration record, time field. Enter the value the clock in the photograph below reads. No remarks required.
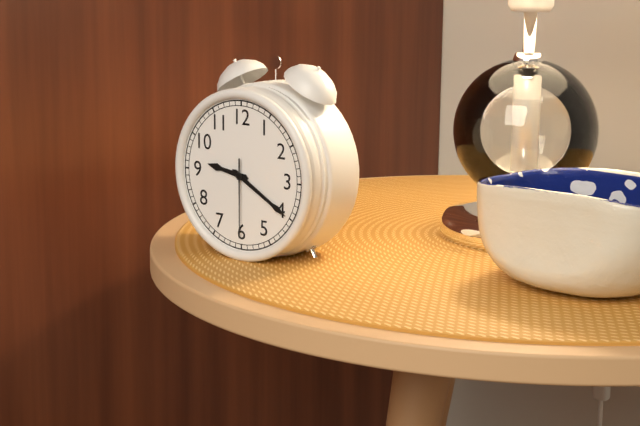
9:20:30
